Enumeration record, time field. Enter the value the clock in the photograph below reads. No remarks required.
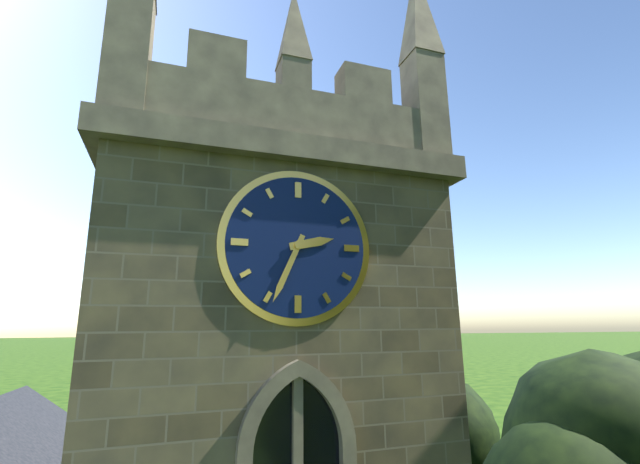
2:34
